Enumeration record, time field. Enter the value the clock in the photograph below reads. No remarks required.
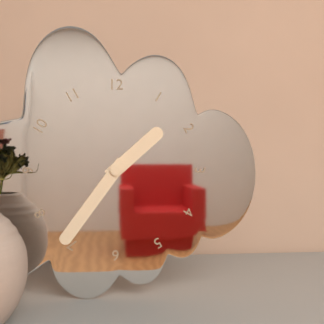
1:36
